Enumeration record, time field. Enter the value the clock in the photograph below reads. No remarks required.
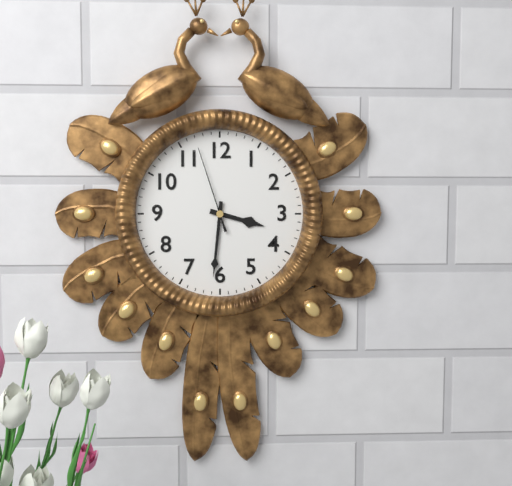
3:31:57
